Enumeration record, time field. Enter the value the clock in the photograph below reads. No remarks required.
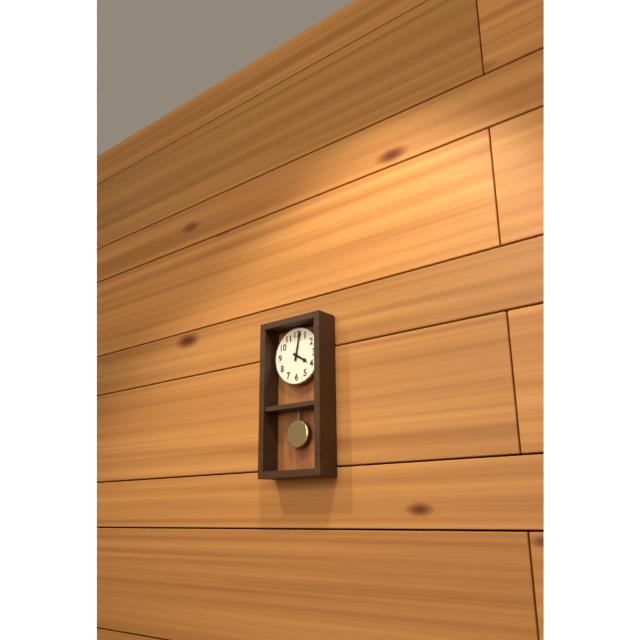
4:02
